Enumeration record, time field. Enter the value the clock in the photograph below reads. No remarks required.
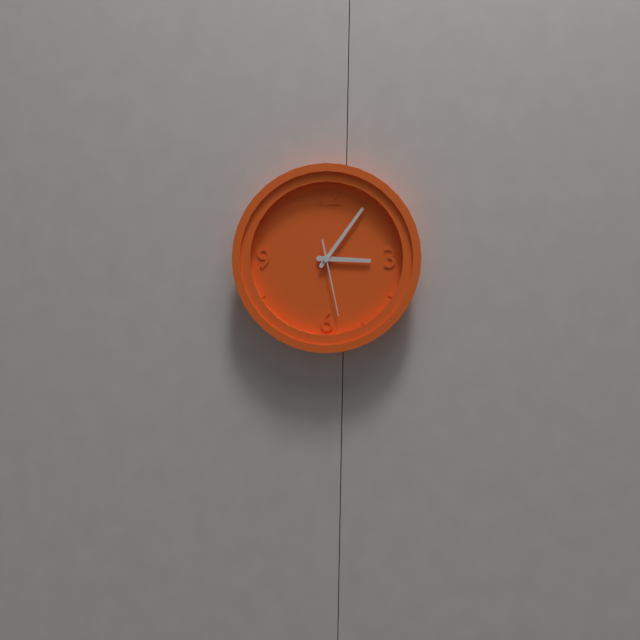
3:06:28
